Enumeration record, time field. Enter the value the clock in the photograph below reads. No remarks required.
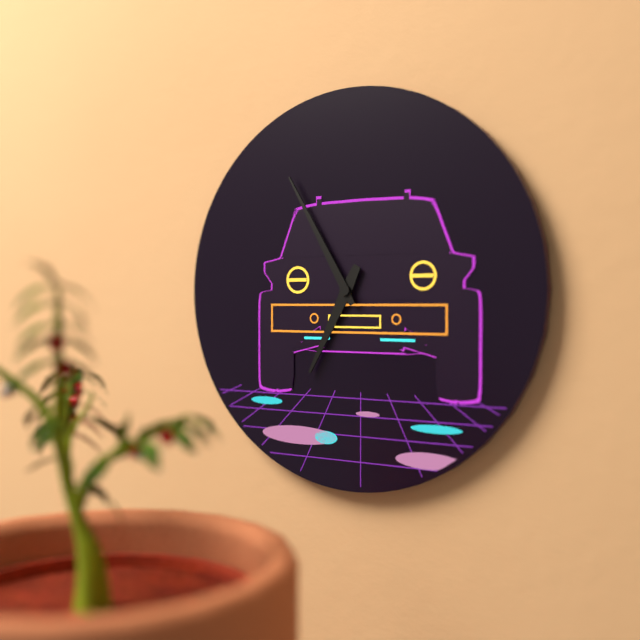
6:55
